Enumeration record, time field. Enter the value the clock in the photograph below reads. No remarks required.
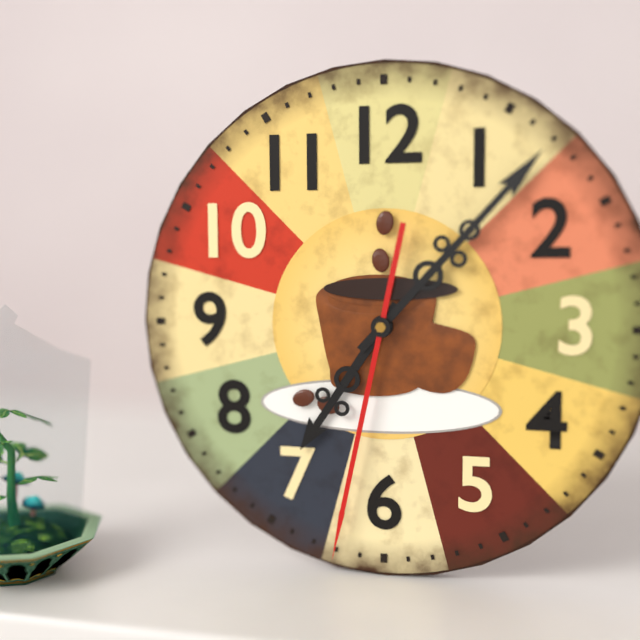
7:07:32
